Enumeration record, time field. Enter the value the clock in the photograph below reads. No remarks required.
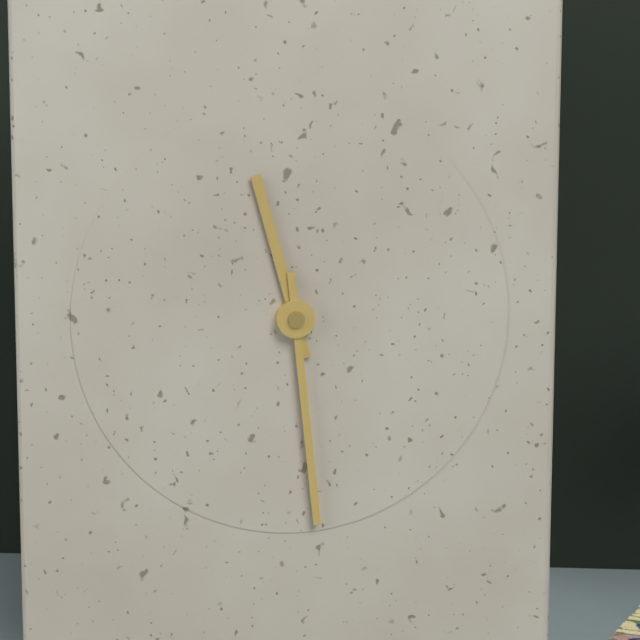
11:29
